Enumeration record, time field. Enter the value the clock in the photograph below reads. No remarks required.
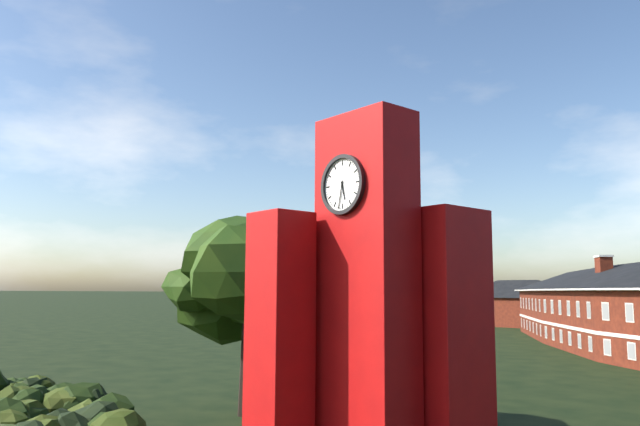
5:32
